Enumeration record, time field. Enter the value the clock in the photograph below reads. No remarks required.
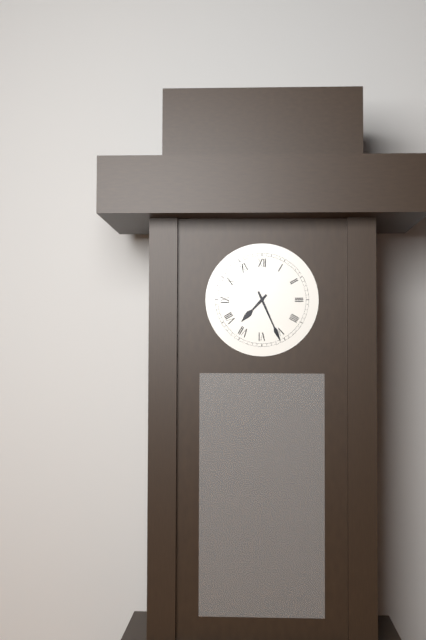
7:26
